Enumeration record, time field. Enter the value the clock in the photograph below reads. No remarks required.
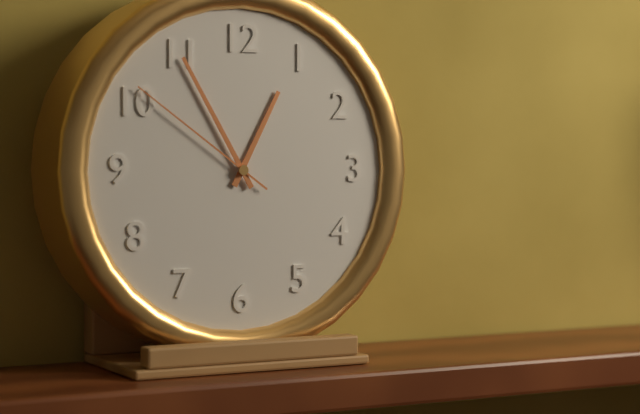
12:55:51
